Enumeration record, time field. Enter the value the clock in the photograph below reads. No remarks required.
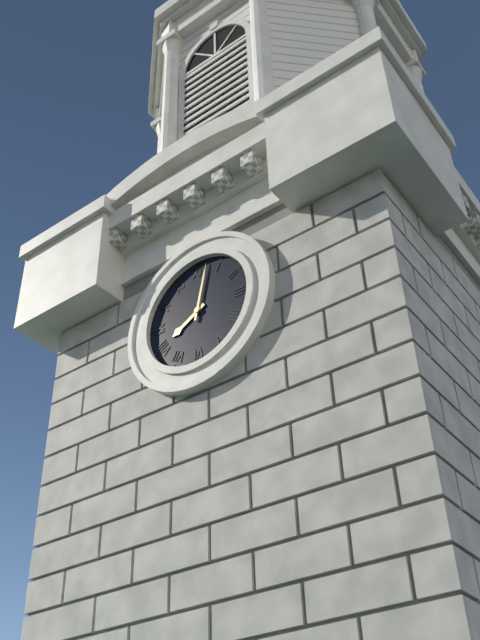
8:02
